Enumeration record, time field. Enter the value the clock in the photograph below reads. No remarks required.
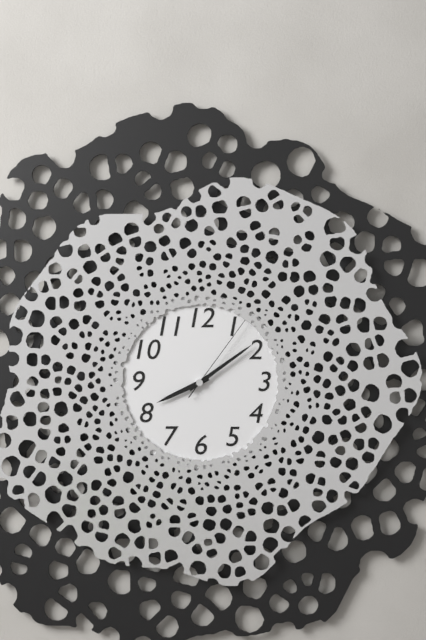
8:09:06
